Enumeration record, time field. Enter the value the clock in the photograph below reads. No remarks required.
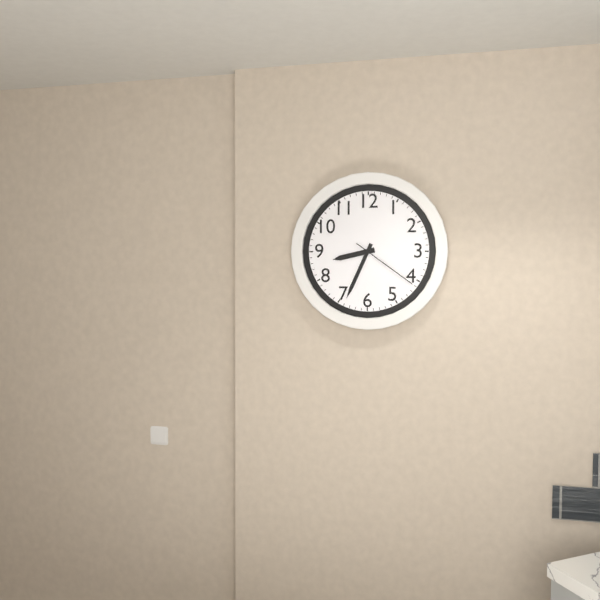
8:34:21
